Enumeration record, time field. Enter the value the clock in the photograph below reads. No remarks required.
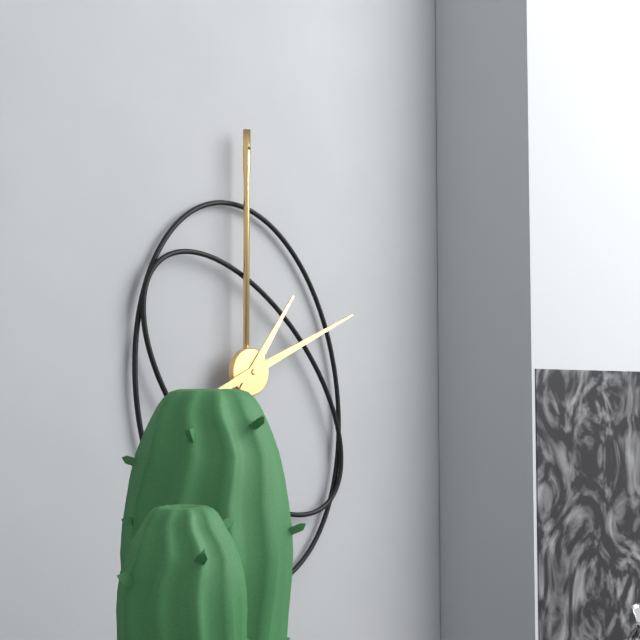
1:11
